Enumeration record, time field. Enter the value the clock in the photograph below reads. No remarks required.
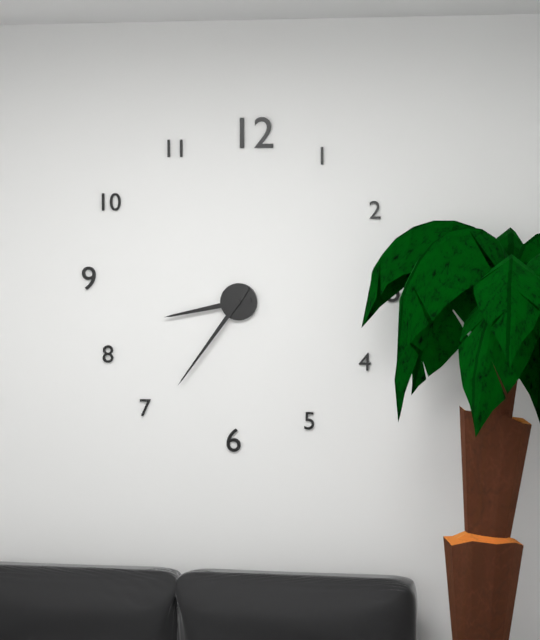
8:36
